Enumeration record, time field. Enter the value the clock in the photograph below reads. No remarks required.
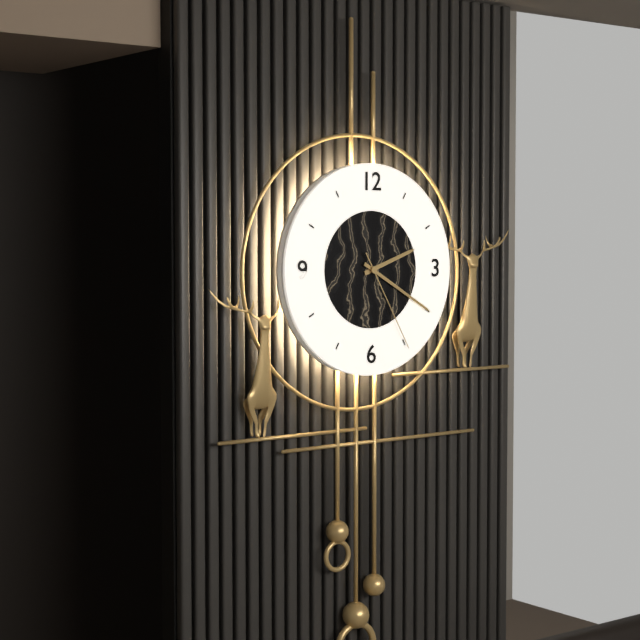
2:20:25
